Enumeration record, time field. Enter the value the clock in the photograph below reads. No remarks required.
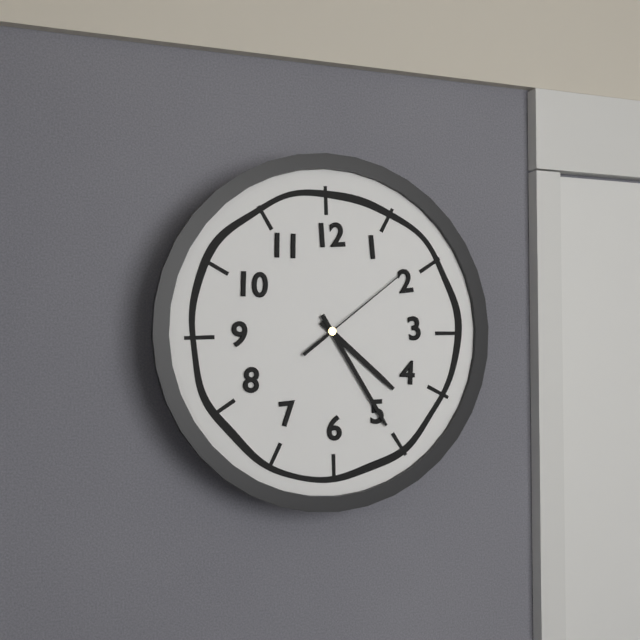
4:25:09
